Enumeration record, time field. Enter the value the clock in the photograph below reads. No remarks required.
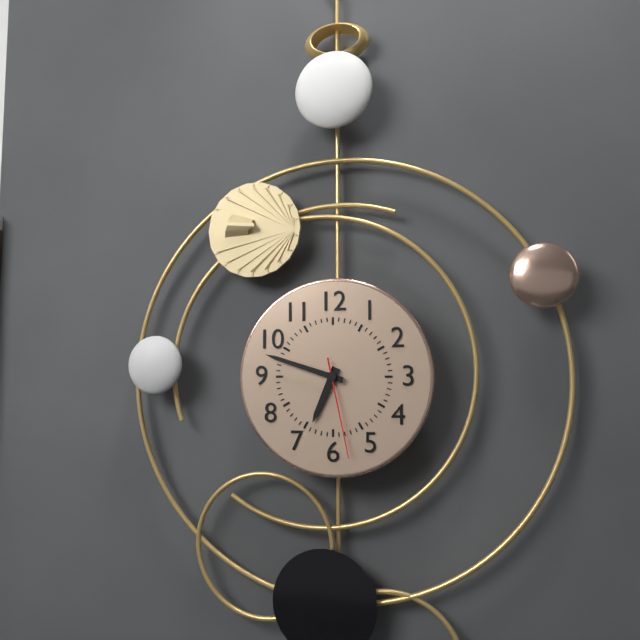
6:48:28
